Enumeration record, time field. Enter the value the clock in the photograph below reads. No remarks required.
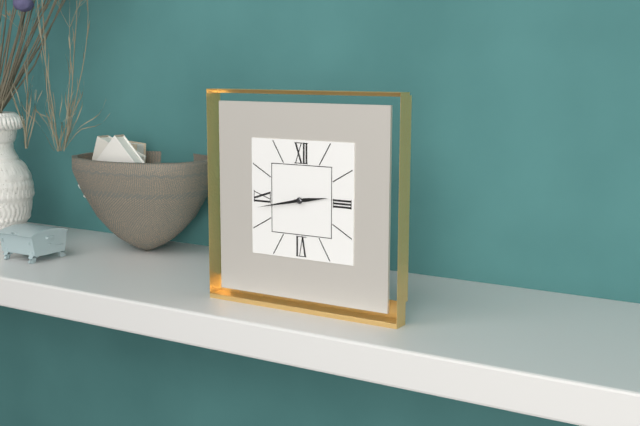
2:43
